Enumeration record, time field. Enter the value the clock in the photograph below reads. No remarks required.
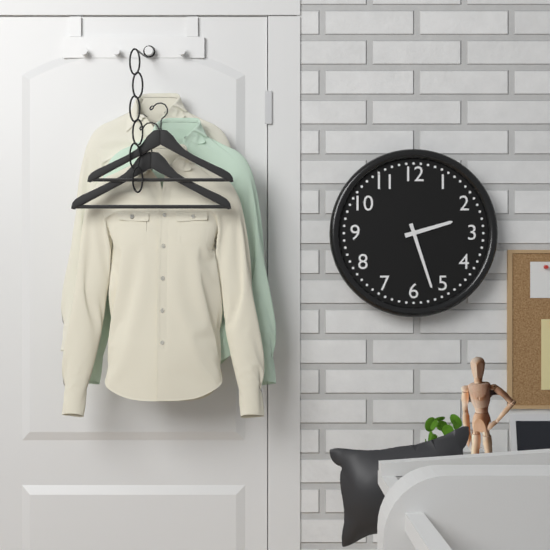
2:27
